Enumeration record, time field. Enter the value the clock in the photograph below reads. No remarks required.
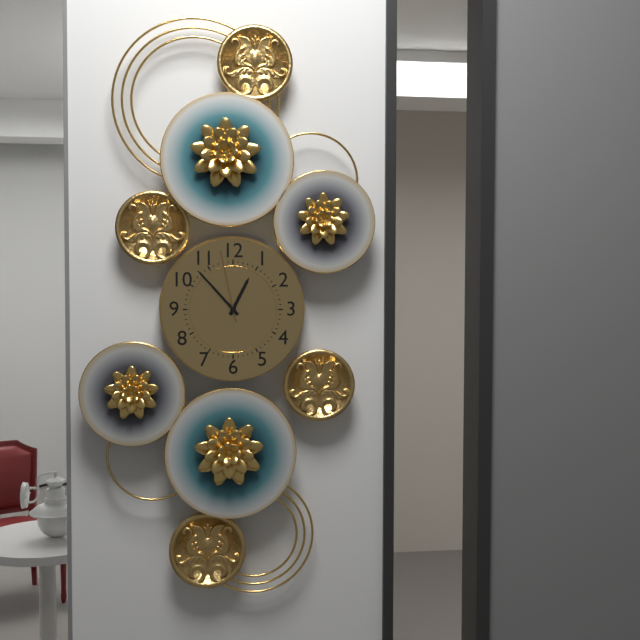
12:53:58
